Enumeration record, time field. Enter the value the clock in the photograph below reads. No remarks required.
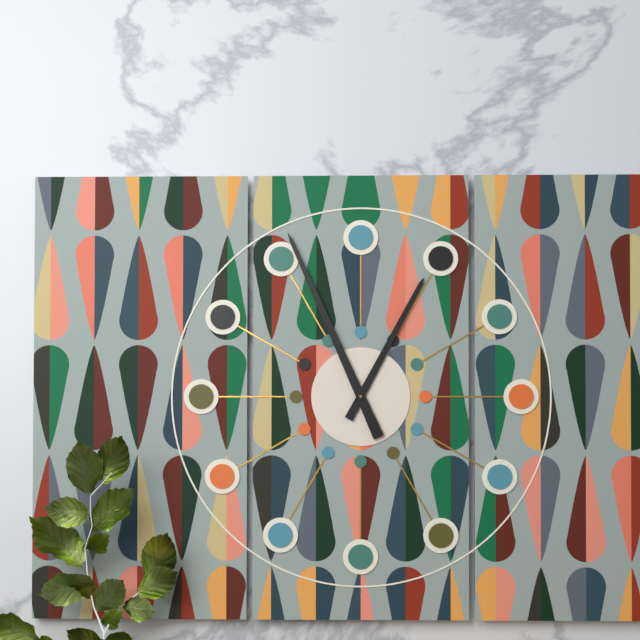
12:56
